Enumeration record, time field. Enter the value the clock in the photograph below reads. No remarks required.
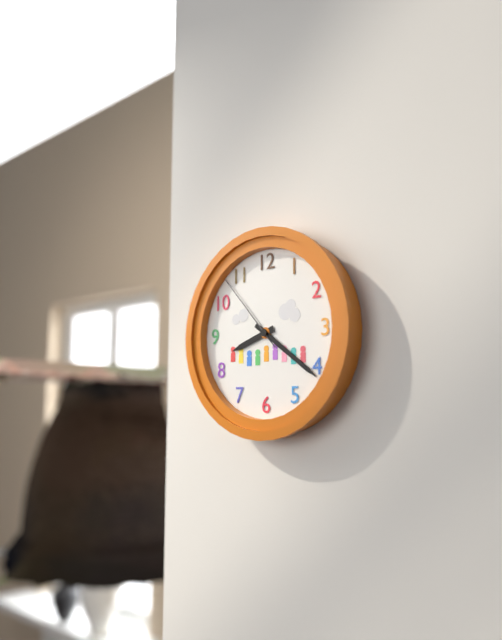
8:21:53
